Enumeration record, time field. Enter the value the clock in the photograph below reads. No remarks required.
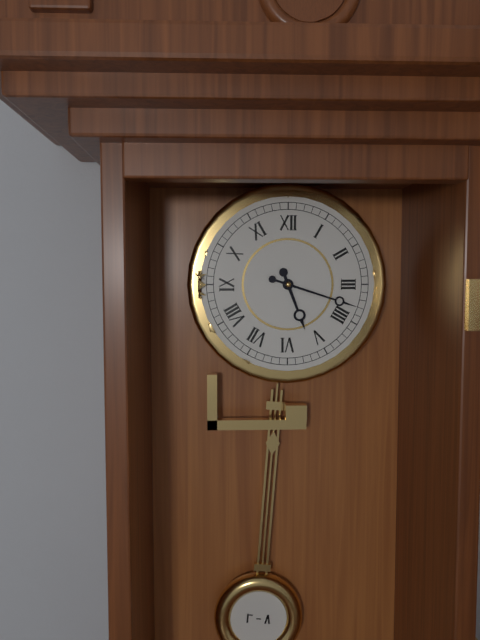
5:18
